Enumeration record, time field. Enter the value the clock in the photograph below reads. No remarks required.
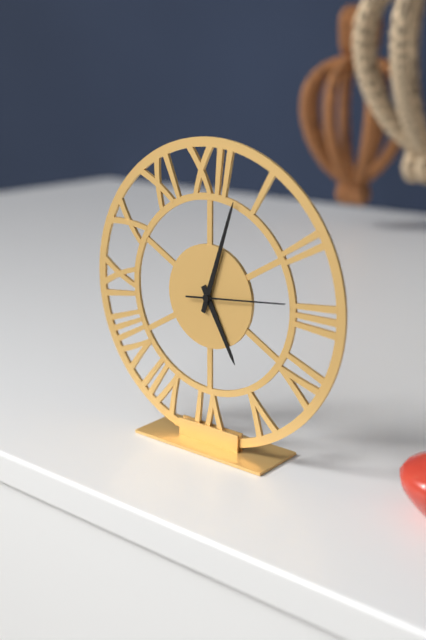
5:03:14
